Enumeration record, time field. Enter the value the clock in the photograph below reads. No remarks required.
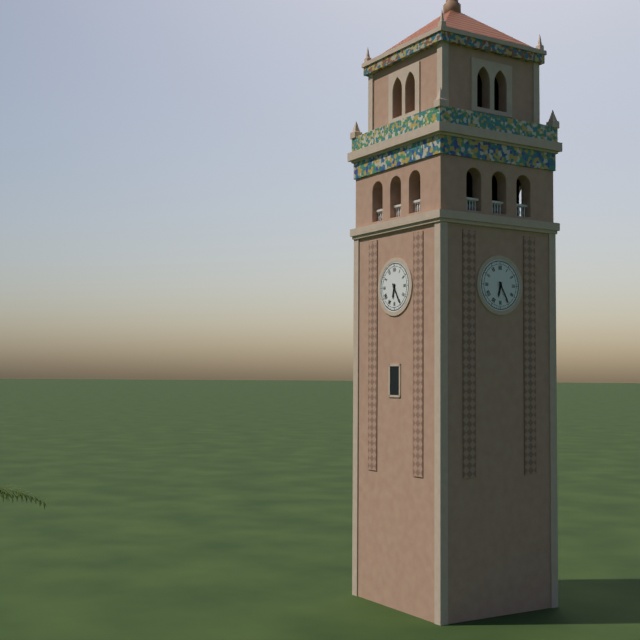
6:25
